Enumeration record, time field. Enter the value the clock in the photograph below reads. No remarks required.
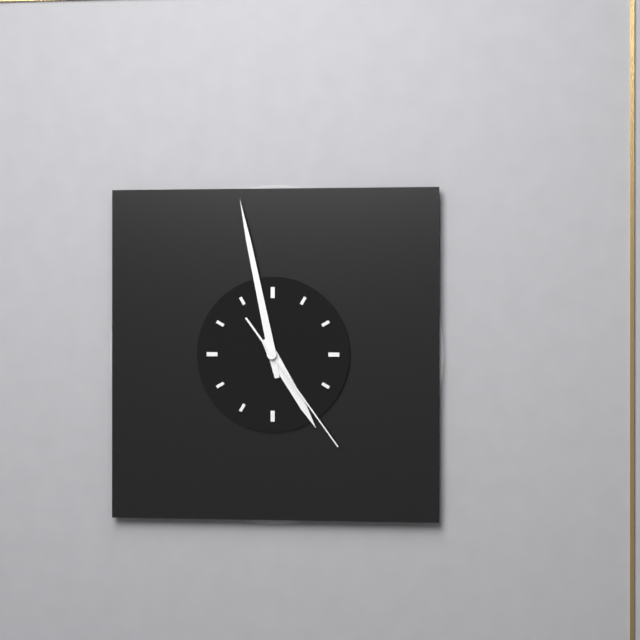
4:58:24
